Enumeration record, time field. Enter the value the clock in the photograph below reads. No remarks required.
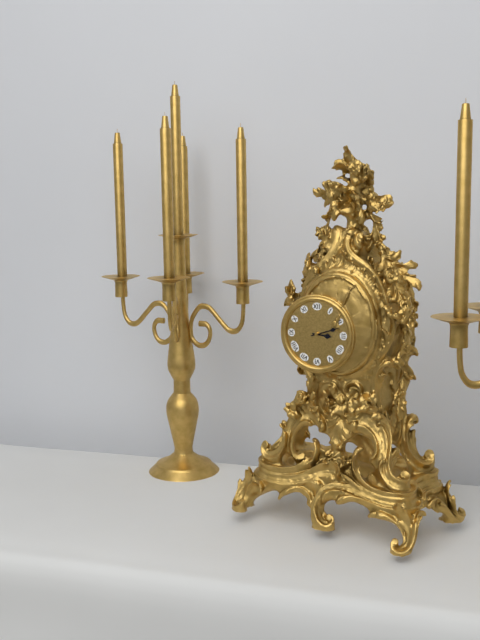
3:12
